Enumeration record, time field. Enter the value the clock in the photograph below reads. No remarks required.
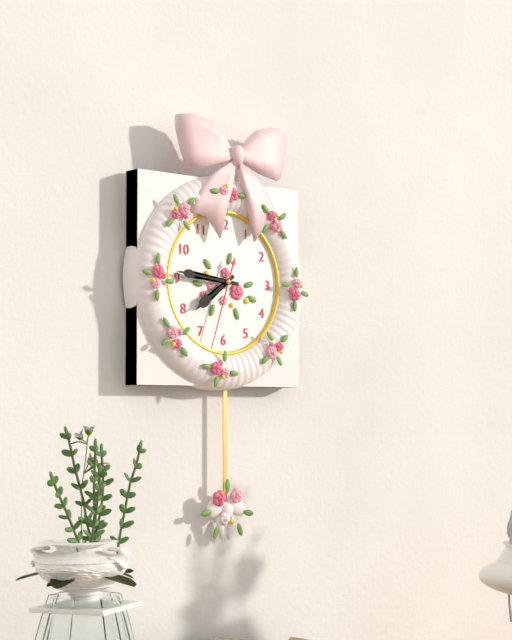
7:46:33
